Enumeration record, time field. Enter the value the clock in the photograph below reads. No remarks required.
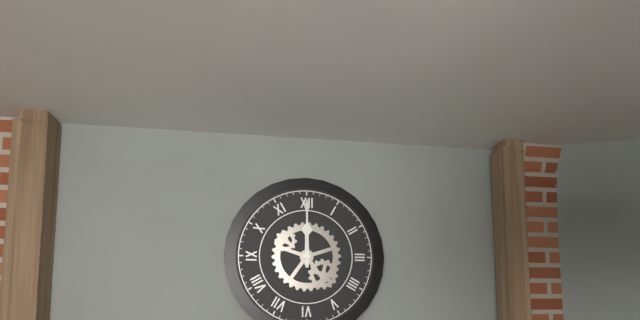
12:00
